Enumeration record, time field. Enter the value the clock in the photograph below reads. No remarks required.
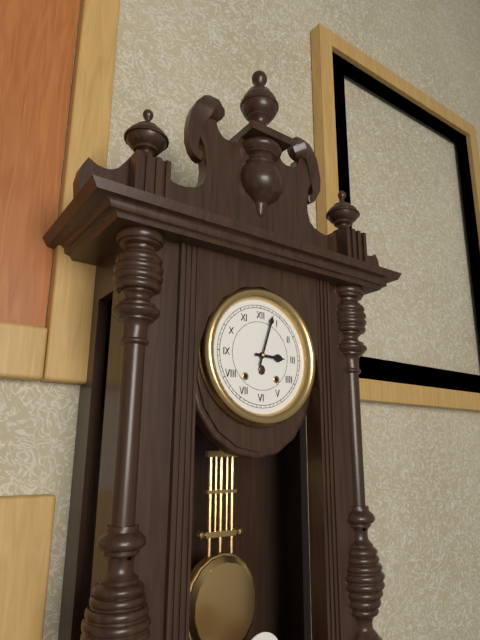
3:03
